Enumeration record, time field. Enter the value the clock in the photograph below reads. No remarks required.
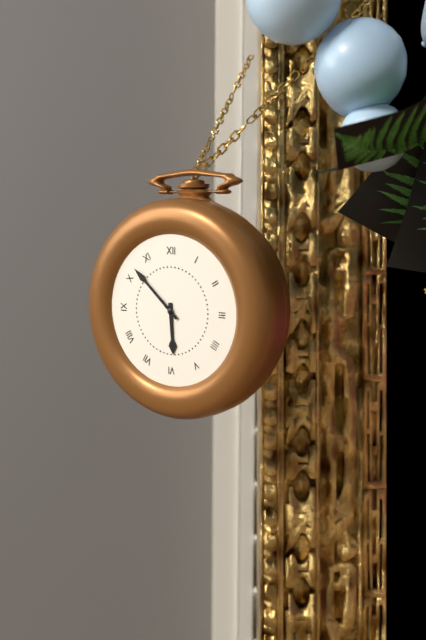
5:52
